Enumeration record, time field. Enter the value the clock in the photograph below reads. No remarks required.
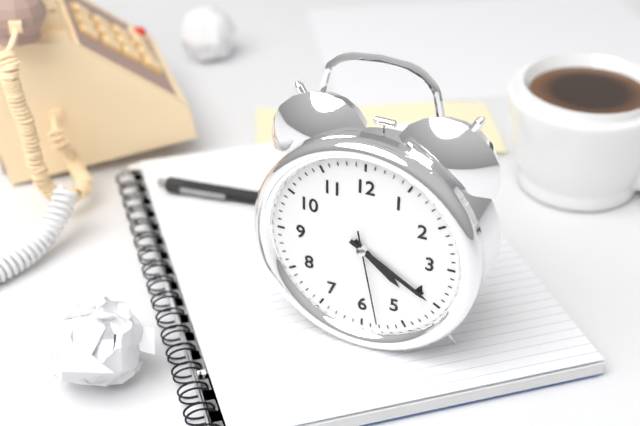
4:20:28
